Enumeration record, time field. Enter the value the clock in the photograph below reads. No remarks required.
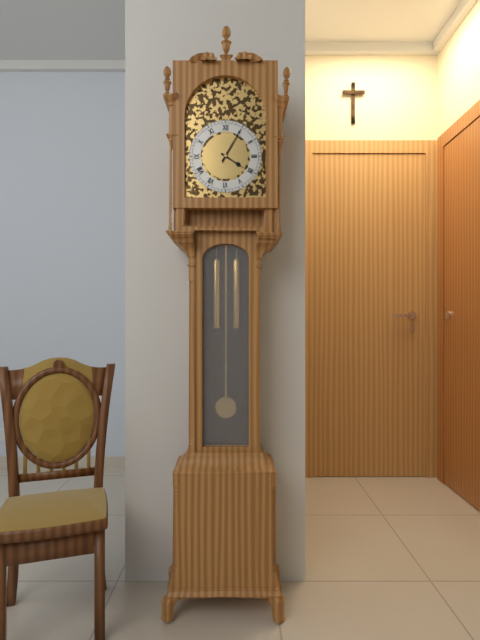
4:05
